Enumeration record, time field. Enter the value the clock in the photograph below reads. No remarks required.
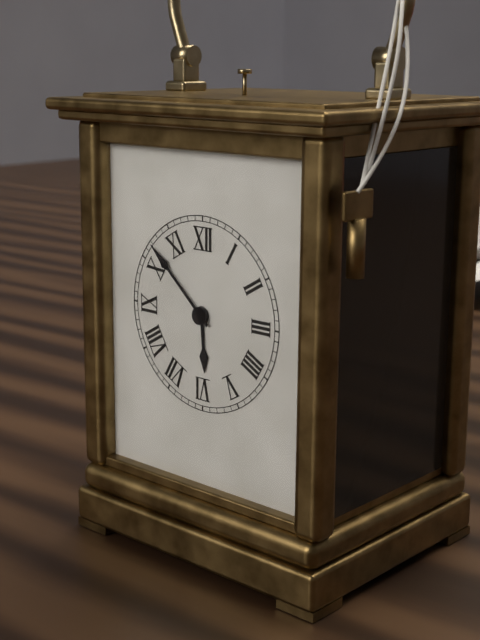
5:52
